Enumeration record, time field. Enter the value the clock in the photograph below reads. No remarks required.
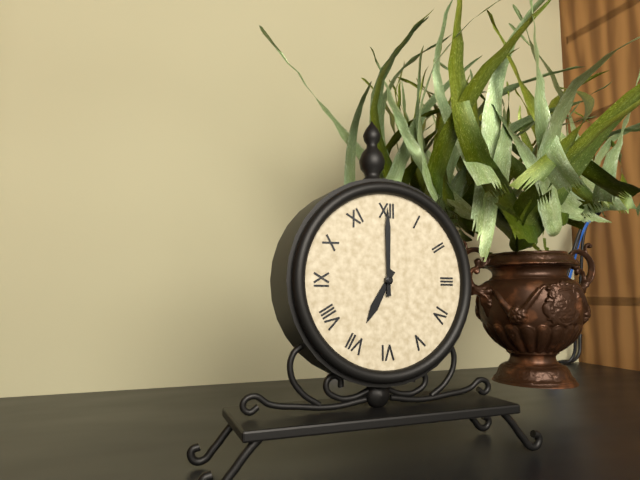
7:00
